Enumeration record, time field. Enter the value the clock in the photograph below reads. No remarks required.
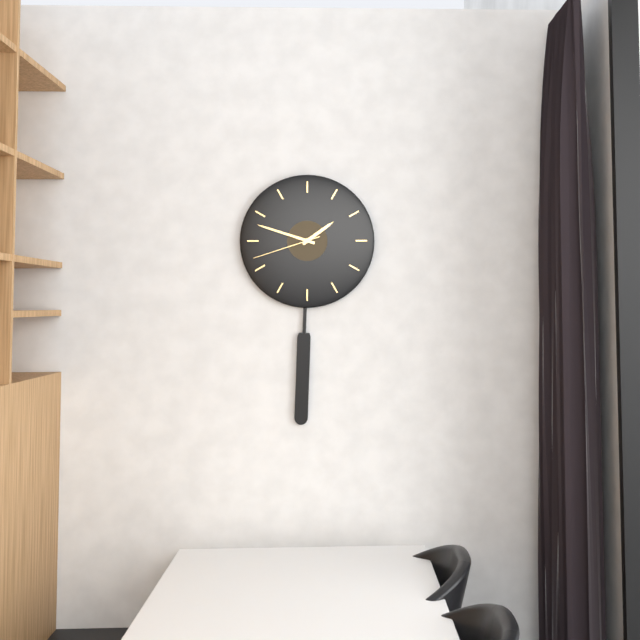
1:48:42
